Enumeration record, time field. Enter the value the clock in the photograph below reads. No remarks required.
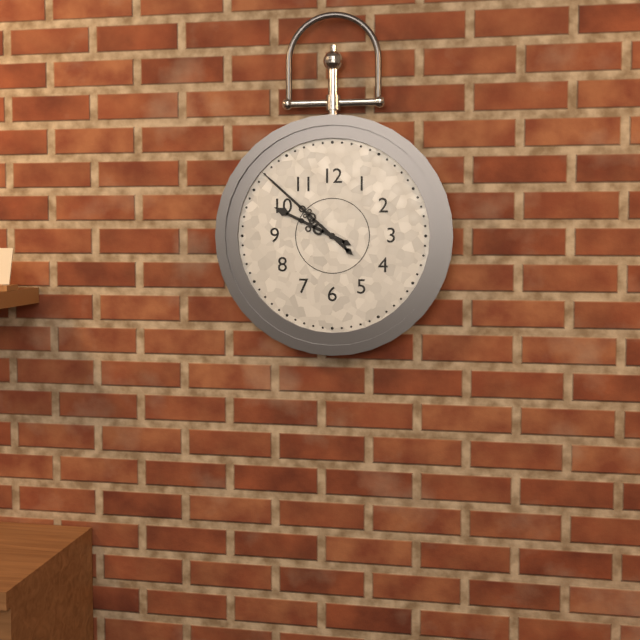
9:52
